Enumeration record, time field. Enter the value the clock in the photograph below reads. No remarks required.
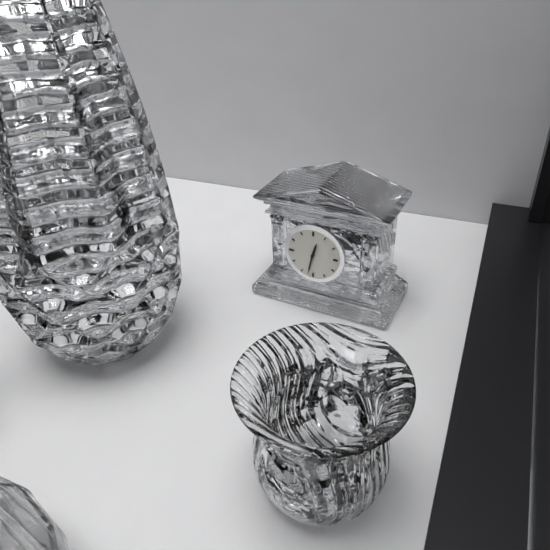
12:32
